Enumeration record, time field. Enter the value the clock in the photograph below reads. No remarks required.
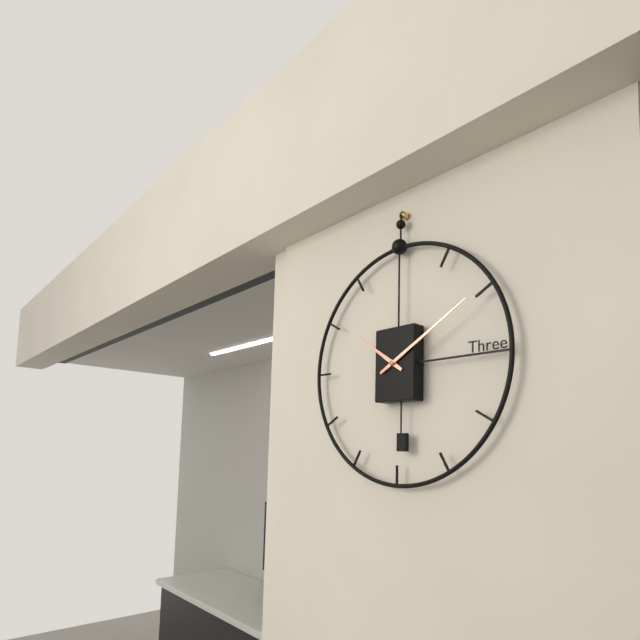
10:10
